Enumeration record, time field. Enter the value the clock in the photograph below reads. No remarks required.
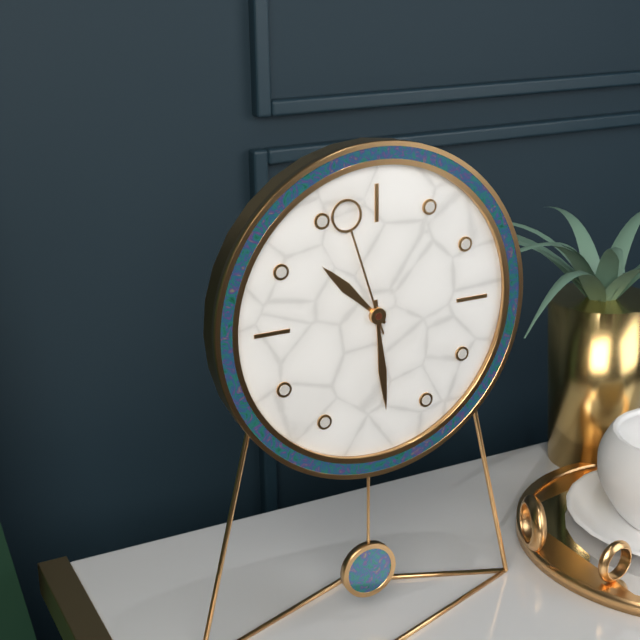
10:29:57
